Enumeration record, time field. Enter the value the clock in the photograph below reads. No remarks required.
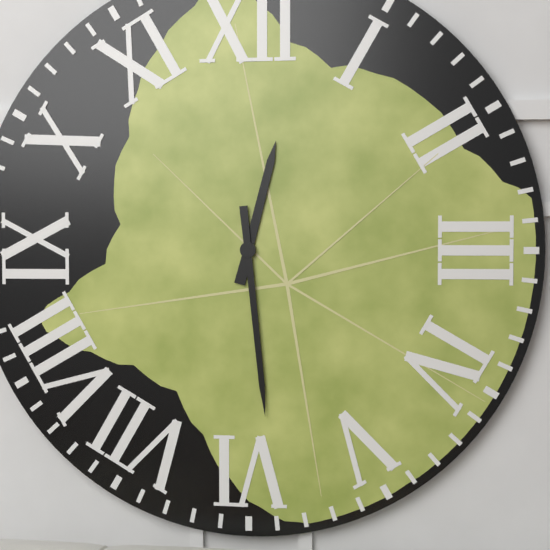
12:29
